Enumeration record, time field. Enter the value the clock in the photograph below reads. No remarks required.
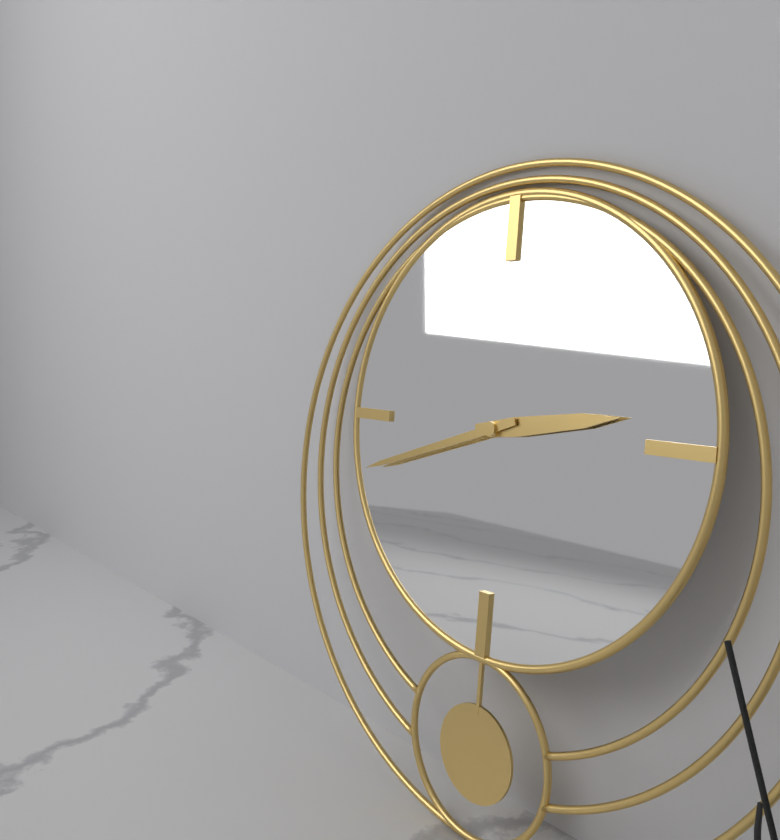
2:42
